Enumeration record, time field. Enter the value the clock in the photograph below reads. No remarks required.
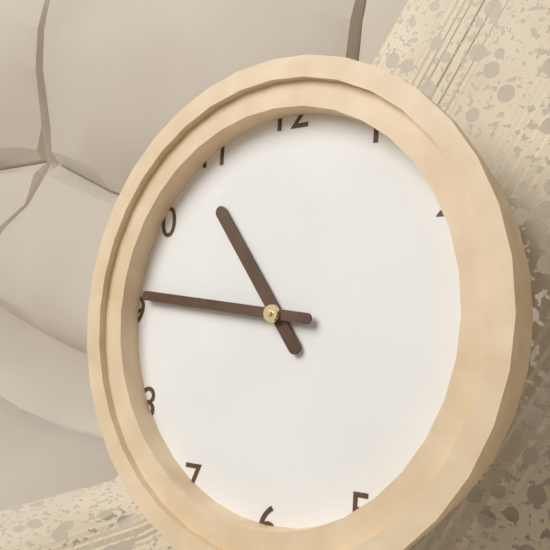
10:46
